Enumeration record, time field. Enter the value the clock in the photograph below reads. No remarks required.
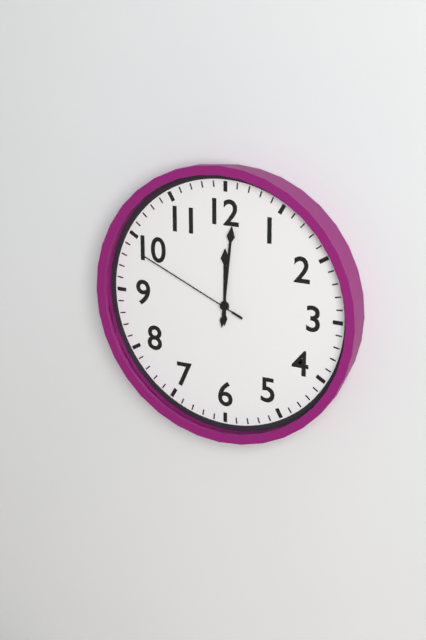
12:01:49
